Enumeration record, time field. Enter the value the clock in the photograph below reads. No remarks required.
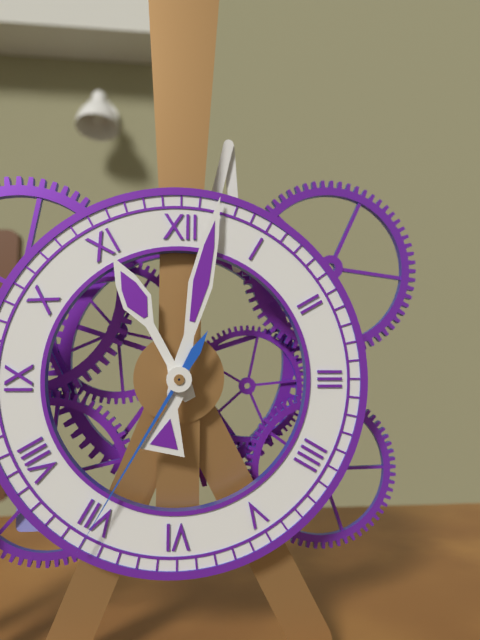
11:02:35
